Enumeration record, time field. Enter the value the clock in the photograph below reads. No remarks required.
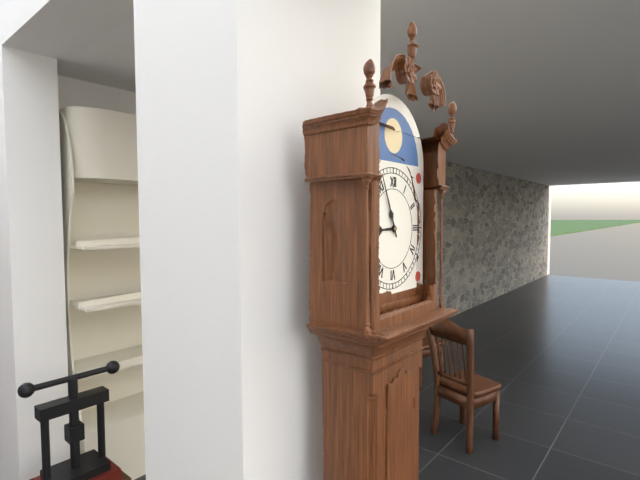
8:56
